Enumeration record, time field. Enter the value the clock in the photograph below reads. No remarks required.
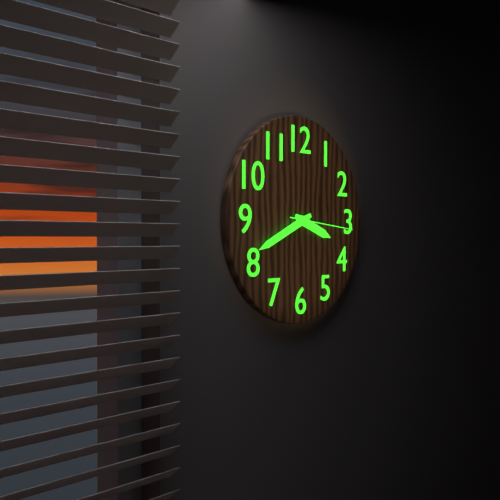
3:41:16
